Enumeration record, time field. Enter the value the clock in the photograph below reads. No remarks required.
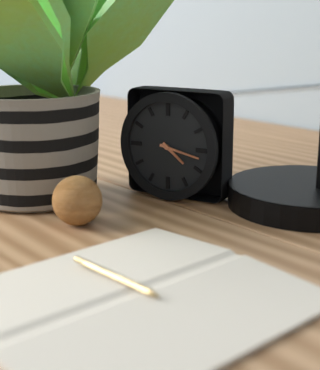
4:17
